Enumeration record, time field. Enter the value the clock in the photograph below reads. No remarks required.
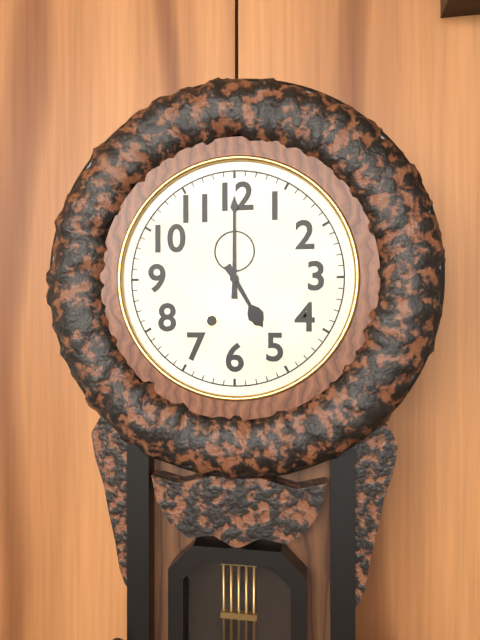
5:00
